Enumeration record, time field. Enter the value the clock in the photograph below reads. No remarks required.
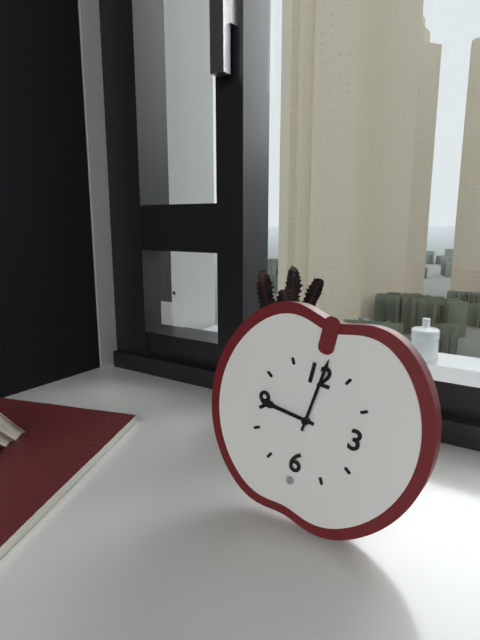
9:01
